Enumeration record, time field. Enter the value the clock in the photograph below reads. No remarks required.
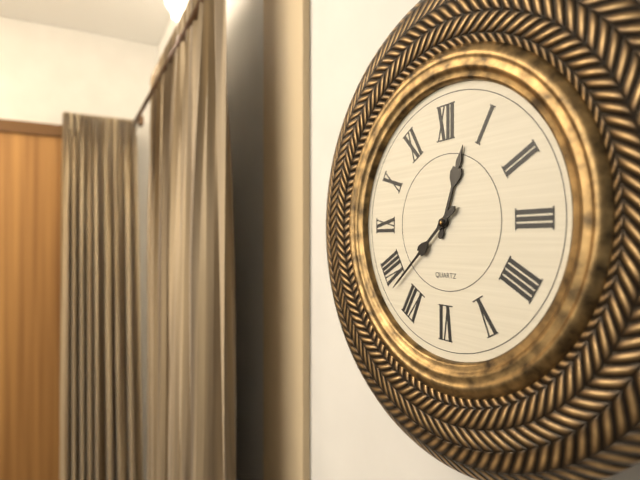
12:38
